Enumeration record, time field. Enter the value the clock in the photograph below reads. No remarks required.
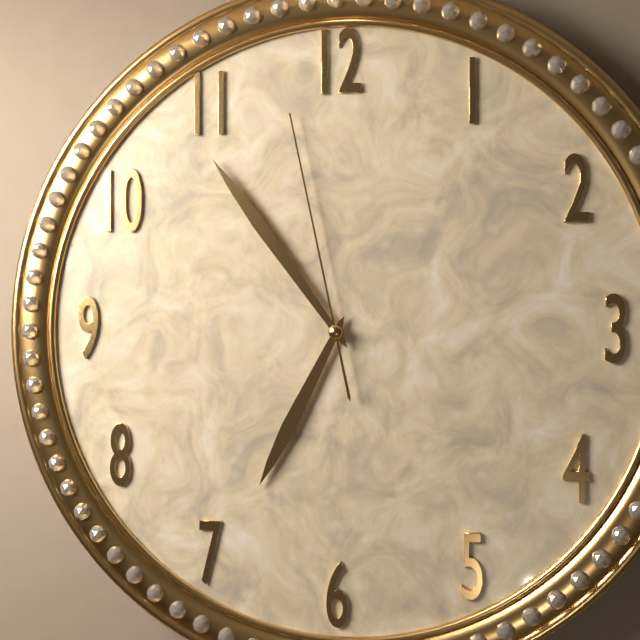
6:54:58
